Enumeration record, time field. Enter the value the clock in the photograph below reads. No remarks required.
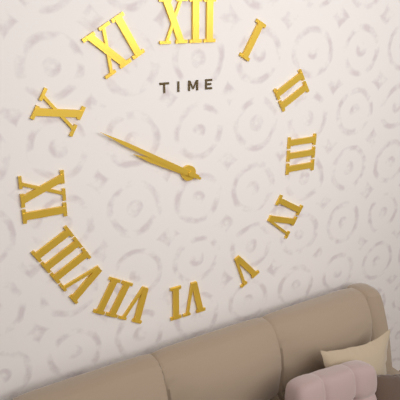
9:50
